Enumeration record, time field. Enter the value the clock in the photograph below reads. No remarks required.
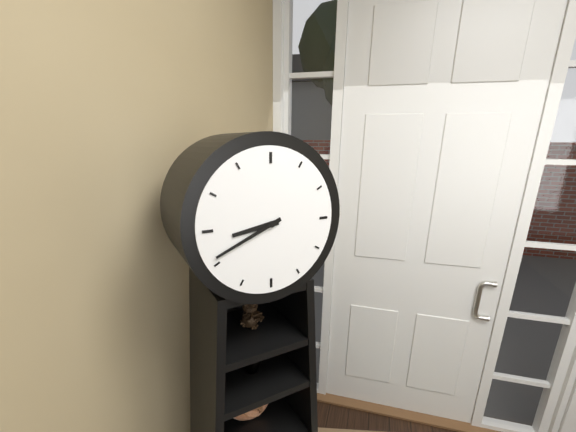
8:41
